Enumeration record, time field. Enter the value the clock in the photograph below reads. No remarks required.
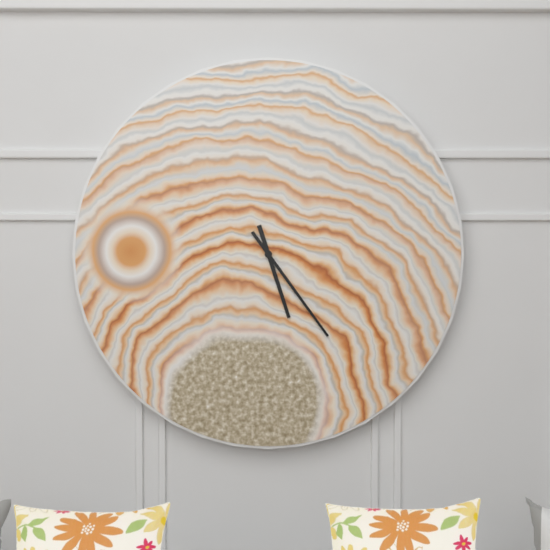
5:24
